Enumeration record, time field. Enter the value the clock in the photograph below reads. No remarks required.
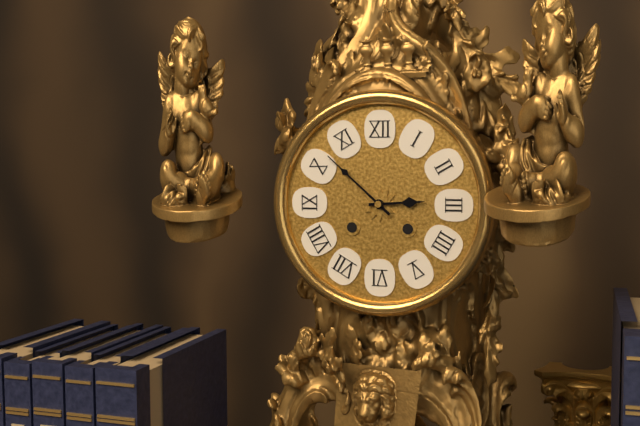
2:52
